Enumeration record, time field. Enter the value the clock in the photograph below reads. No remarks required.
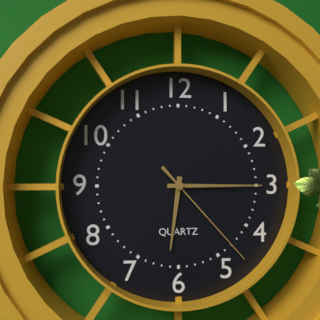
6:15:23
